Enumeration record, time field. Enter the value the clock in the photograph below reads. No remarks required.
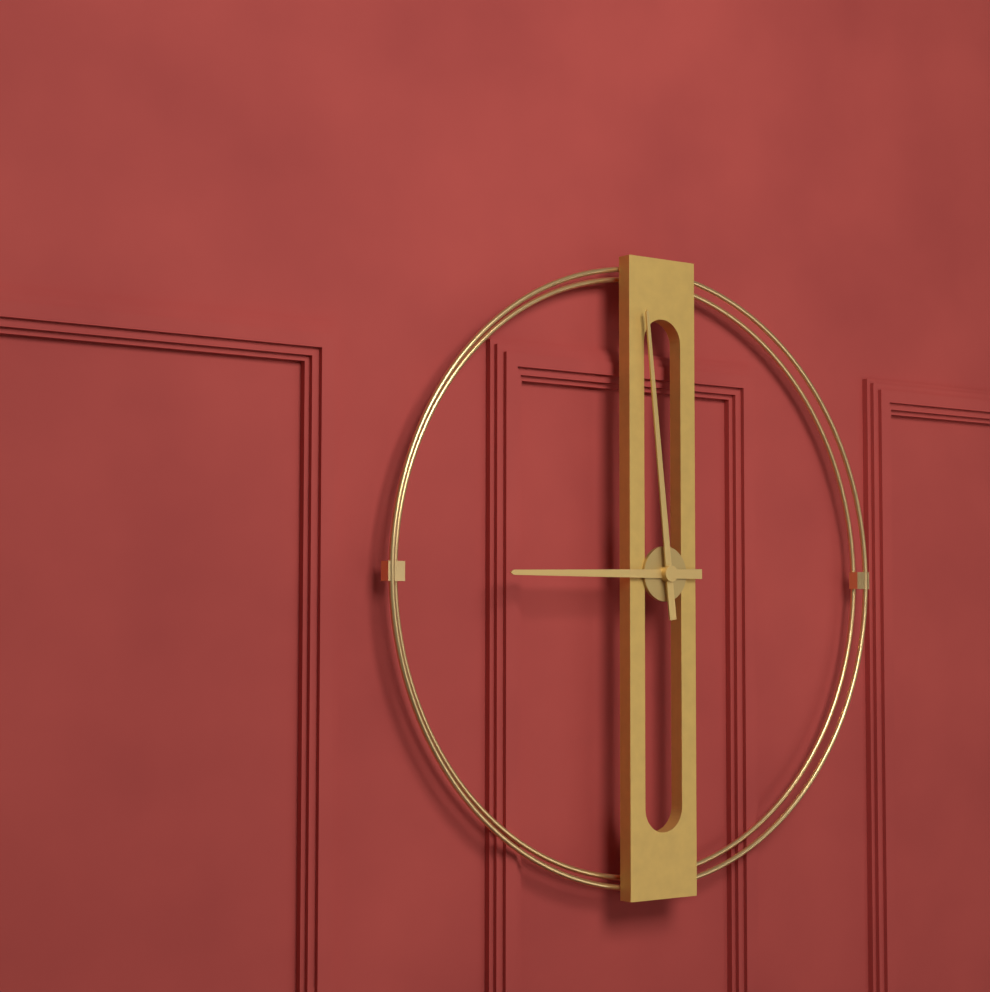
8:59
